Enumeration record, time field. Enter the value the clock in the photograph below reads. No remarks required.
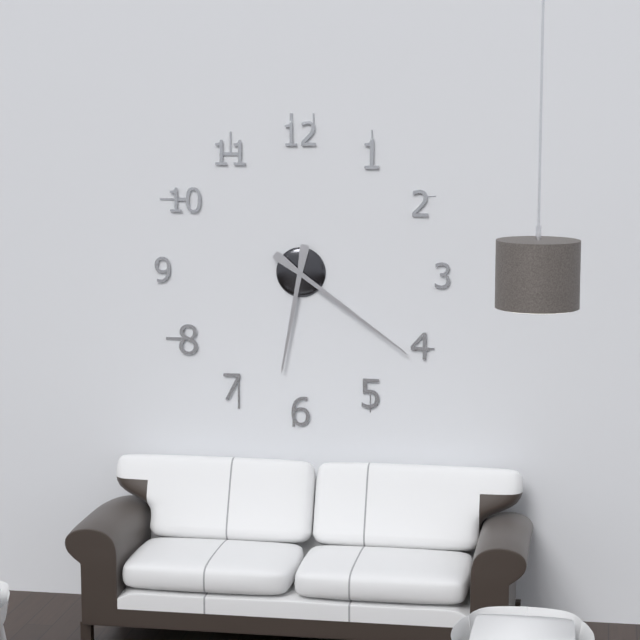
6:21
